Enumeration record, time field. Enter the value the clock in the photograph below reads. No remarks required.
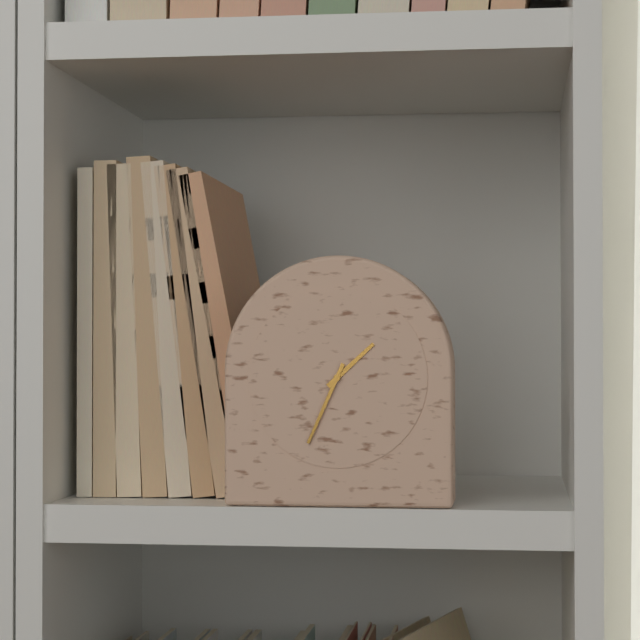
1:34
